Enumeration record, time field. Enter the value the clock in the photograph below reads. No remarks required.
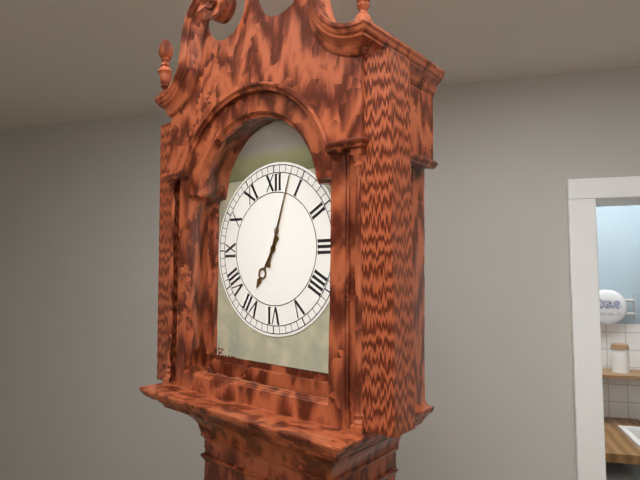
7:03
